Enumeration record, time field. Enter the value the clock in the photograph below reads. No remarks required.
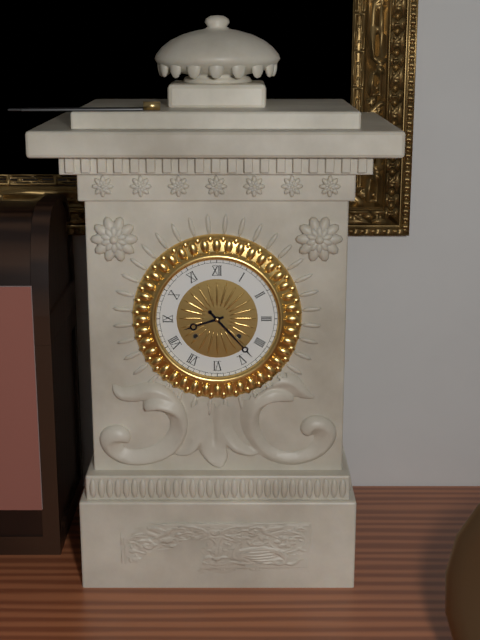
8:23
